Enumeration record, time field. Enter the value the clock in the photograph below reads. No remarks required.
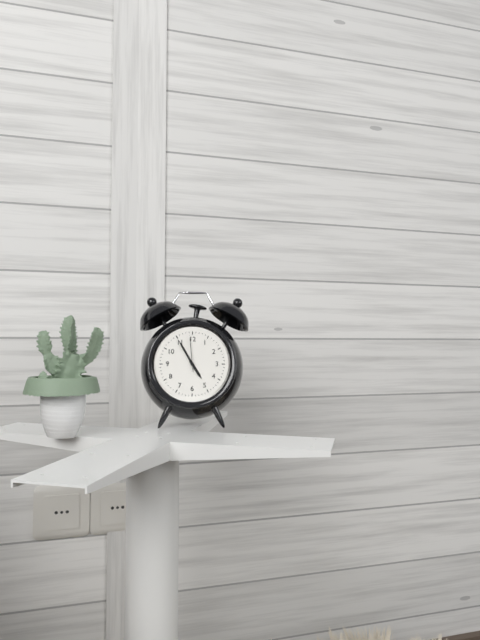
4:55
